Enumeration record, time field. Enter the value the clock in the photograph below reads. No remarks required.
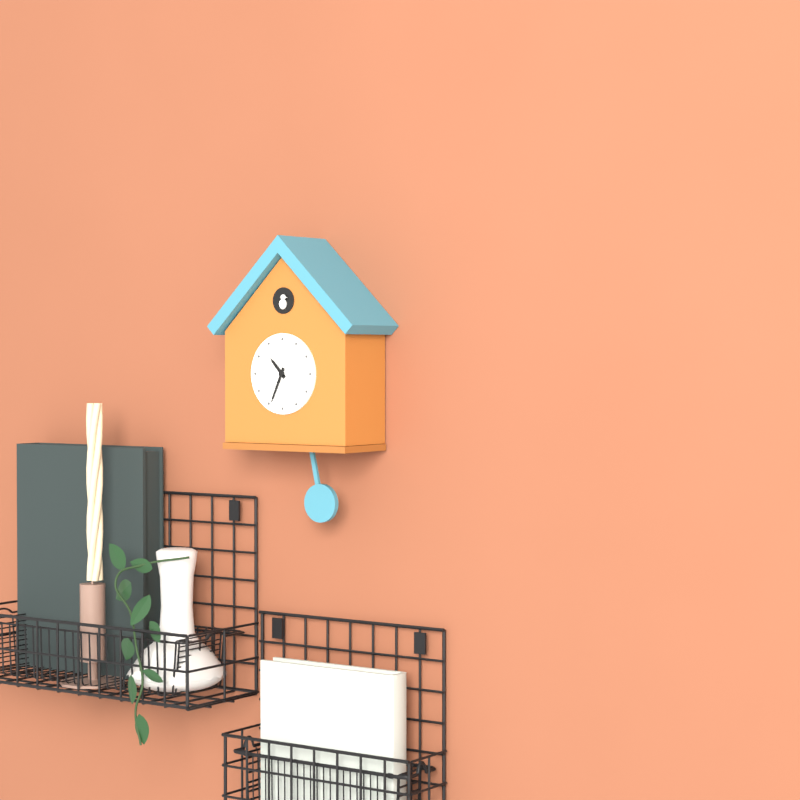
10:34
